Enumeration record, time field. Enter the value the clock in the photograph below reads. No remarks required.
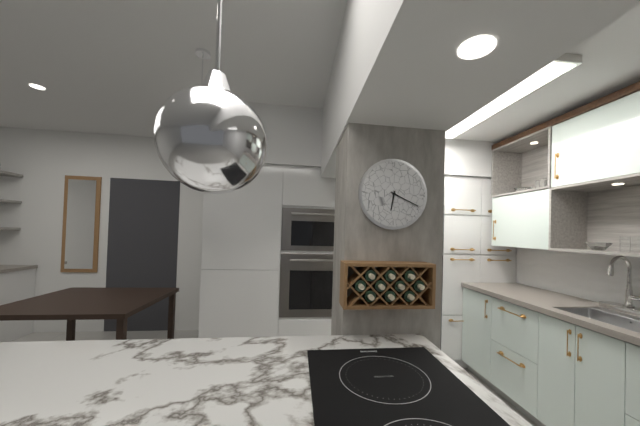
6:19
